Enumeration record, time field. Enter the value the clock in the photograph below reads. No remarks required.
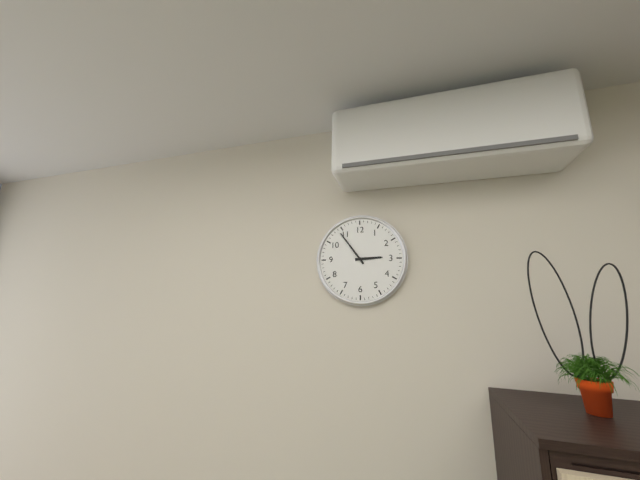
2:54
